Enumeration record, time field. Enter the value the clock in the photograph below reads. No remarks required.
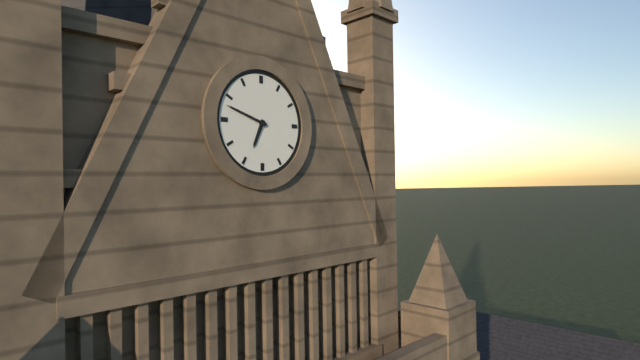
6:48
